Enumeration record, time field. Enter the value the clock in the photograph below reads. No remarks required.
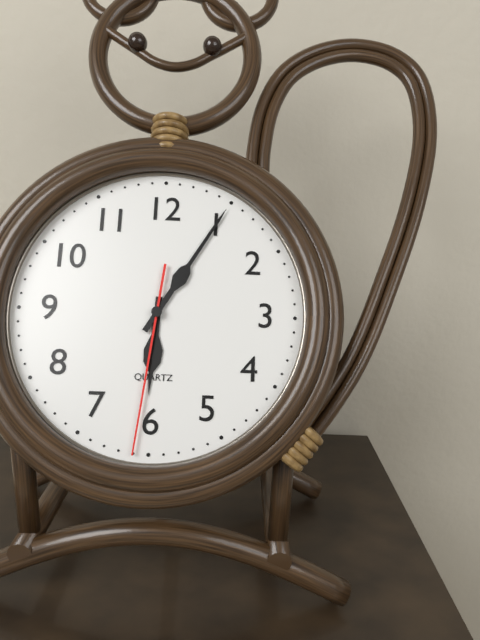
6:05:31
